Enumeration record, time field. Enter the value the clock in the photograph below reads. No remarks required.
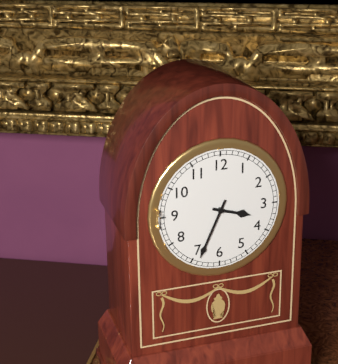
3:34
